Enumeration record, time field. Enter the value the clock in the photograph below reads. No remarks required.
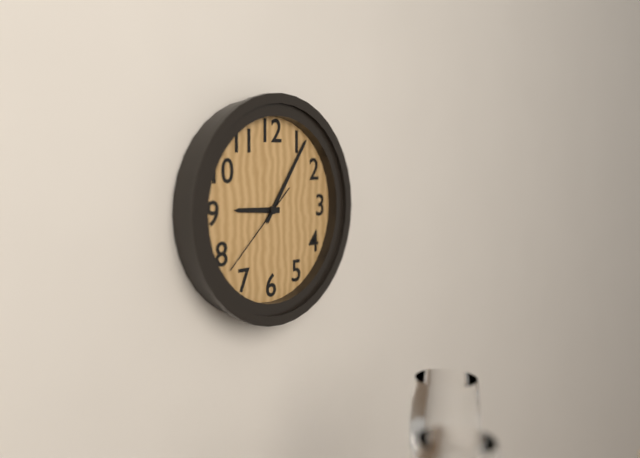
9:06:38
